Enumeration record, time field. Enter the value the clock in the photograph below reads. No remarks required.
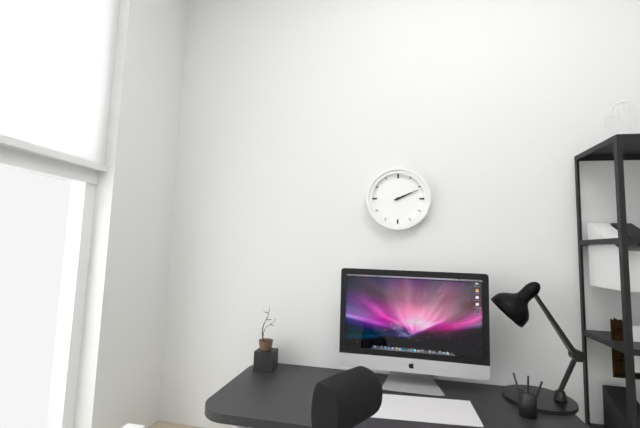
2:11
